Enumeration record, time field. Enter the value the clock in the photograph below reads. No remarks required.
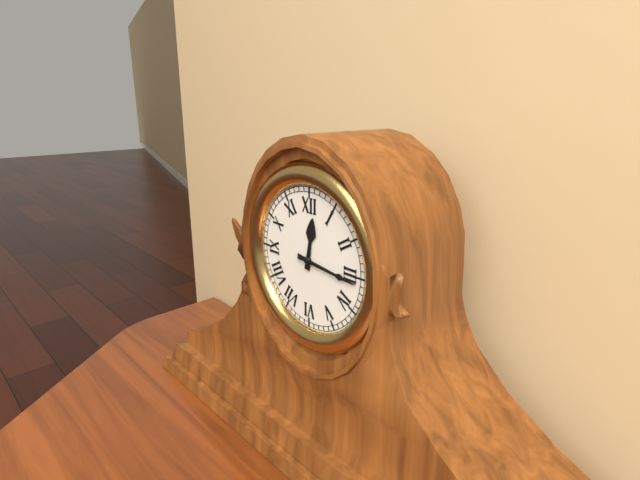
12:16
